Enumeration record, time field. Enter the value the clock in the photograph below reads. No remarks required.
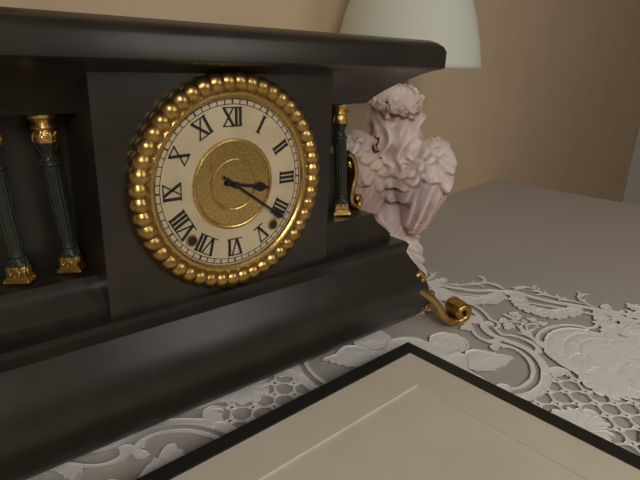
3:21
